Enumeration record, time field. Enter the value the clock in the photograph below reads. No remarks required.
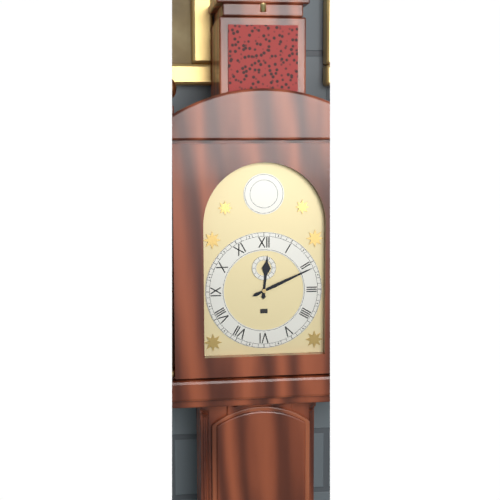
12:11
